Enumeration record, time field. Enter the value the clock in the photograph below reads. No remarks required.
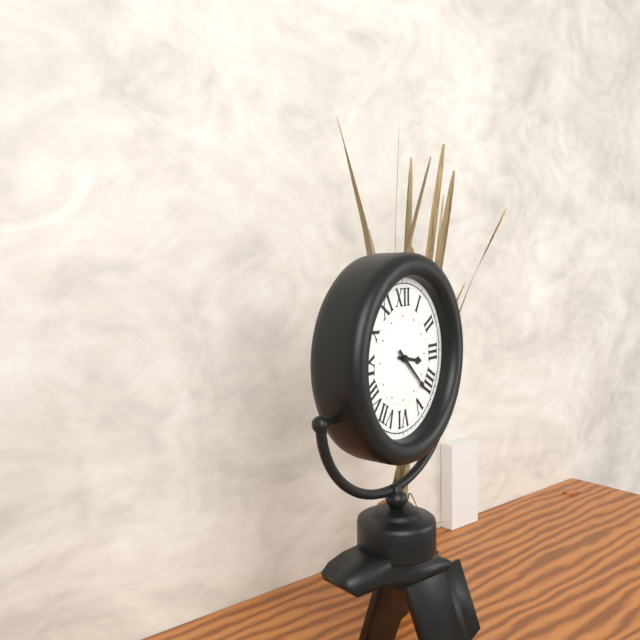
3:22
